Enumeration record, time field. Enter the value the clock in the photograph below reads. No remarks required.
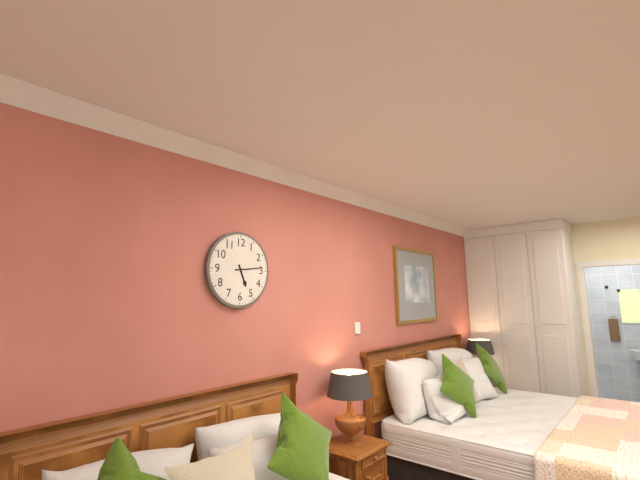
5:14
